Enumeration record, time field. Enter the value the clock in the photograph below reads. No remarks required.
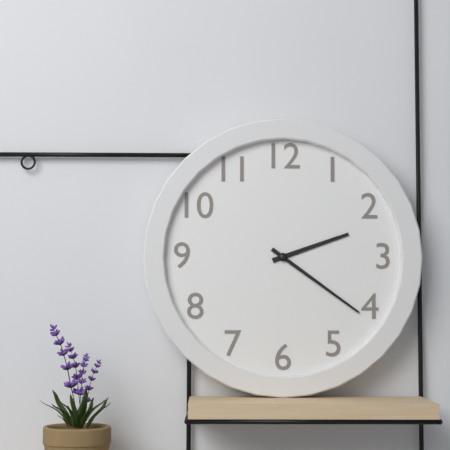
2:21
